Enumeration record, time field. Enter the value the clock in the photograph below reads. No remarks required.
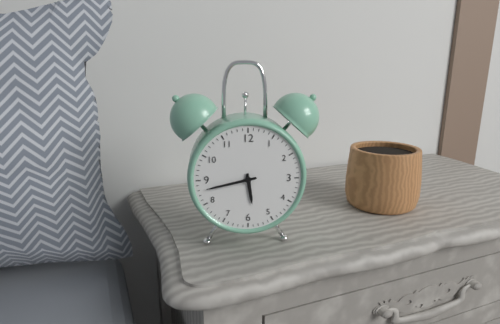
5:43
